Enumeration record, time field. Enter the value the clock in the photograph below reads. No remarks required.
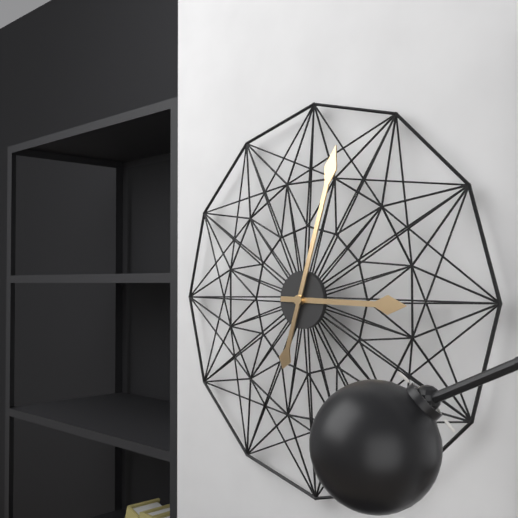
3:03
